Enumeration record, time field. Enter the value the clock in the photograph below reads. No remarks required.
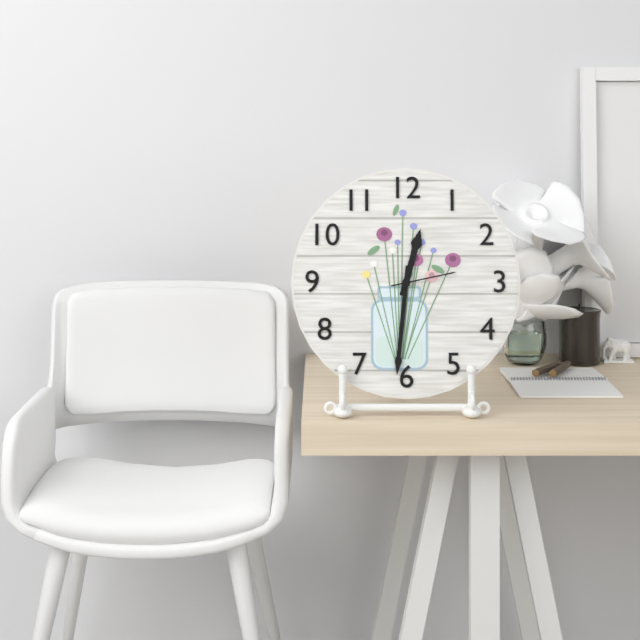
12:31:13
